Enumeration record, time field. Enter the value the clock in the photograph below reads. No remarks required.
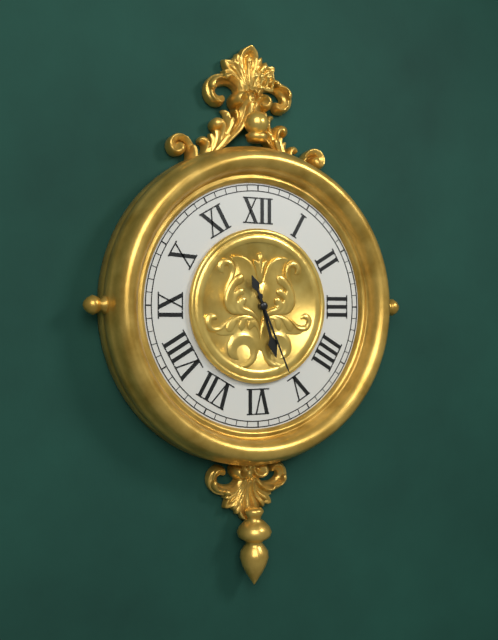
5:26
